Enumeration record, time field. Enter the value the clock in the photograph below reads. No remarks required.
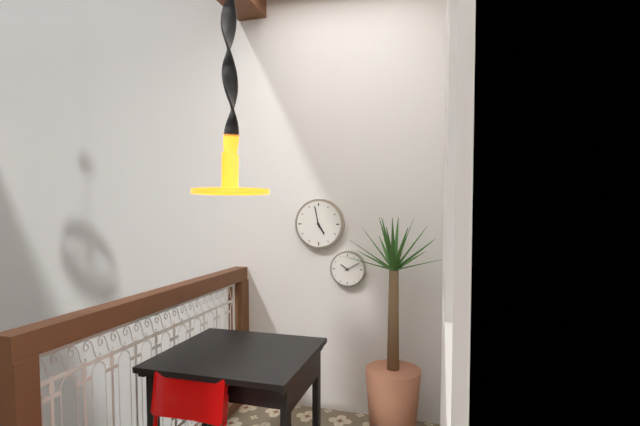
4:58
